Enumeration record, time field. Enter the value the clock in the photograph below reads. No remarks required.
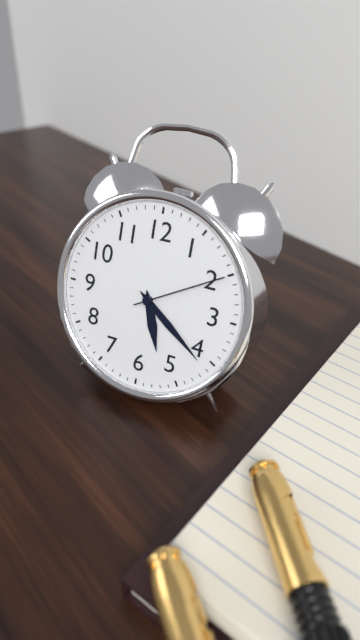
5:21:10
